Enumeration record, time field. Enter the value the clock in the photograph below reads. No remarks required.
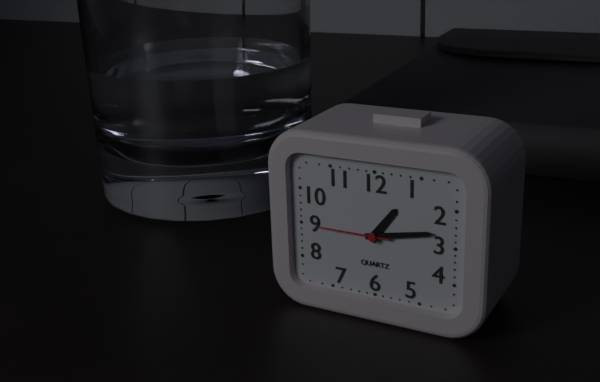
1:13:45
